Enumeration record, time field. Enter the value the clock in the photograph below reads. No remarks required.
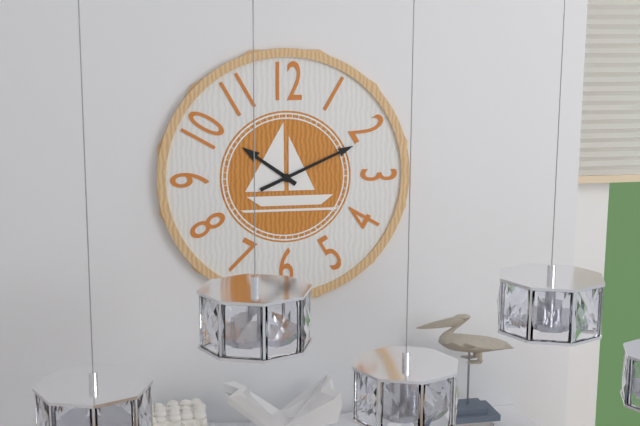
10:11
